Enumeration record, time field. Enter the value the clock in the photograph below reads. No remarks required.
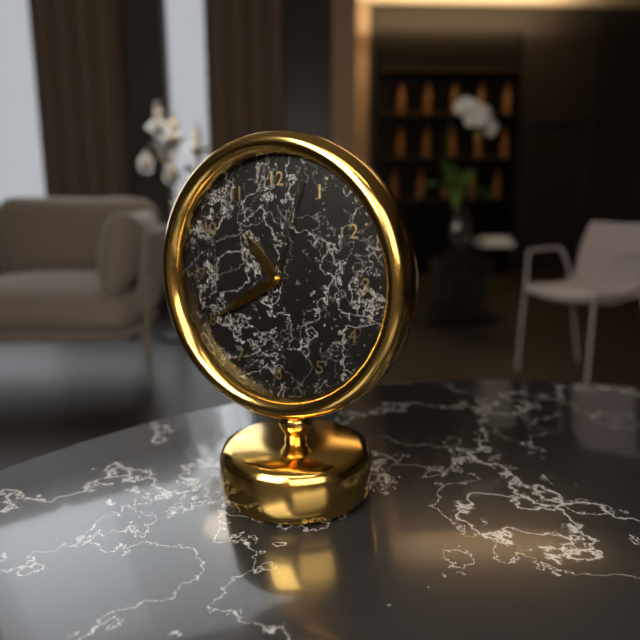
10:40:03
